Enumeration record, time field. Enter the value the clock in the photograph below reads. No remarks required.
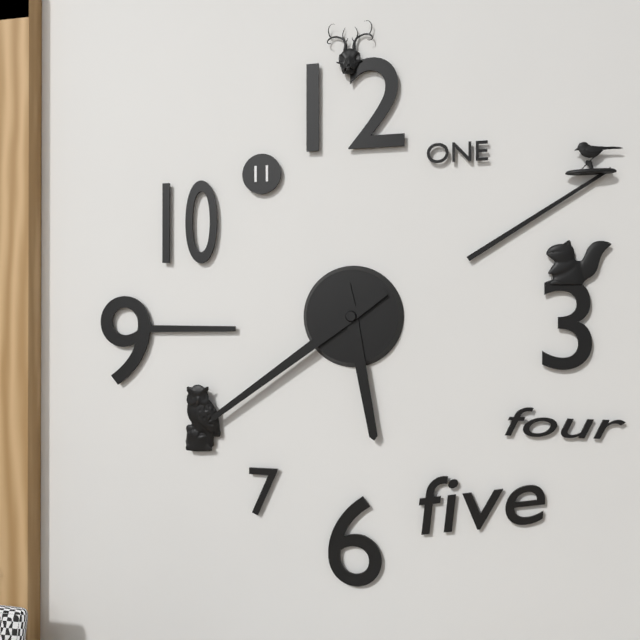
5:39
